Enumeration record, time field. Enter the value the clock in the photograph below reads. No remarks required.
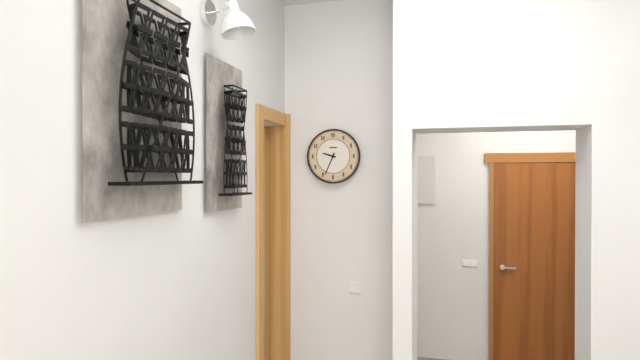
9:34
